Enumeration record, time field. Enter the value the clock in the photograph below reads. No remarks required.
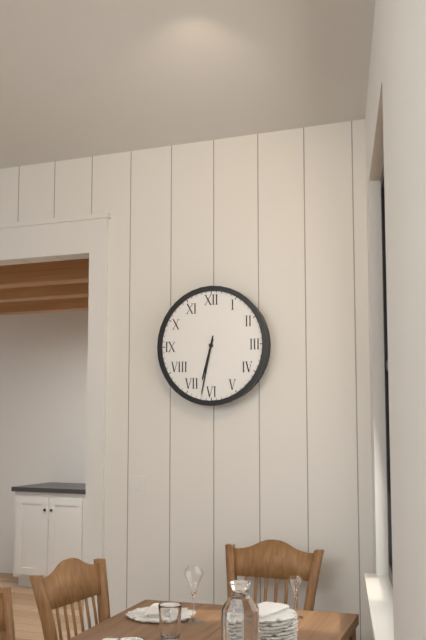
6:32
